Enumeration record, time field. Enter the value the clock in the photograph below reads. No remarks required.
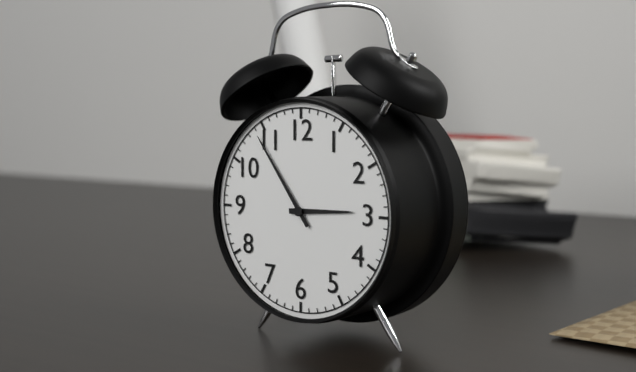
2:54
